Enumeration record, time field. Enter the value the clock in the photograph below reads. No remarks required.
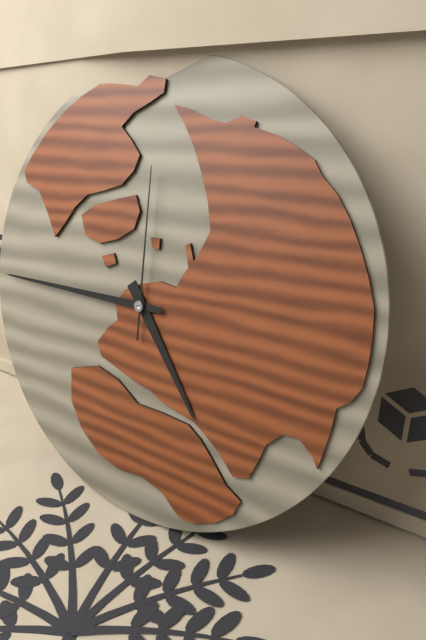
4:45:00
